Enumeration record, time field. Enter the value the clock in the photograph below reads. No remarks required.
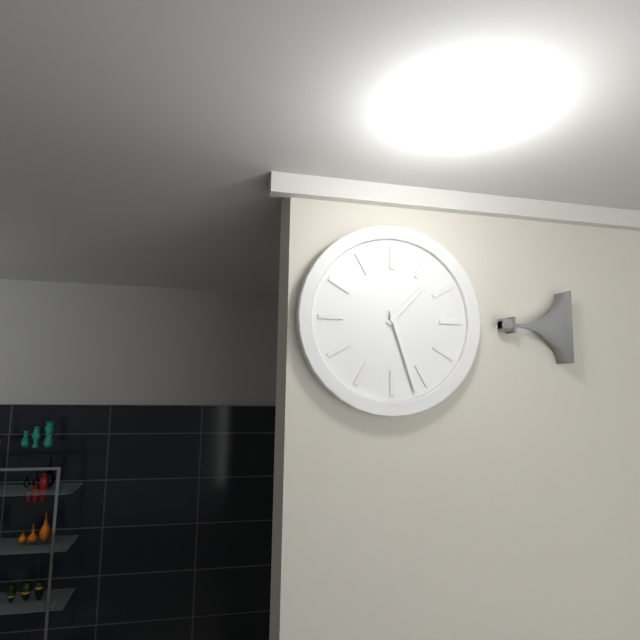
1:27
